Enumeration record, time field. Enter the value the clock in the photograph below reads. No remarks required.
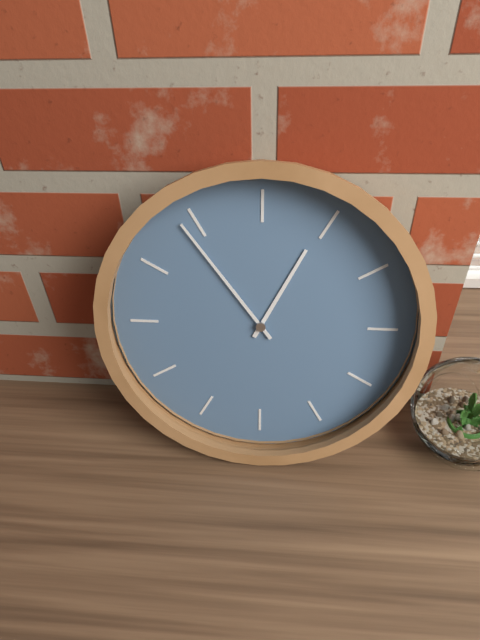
12:54
